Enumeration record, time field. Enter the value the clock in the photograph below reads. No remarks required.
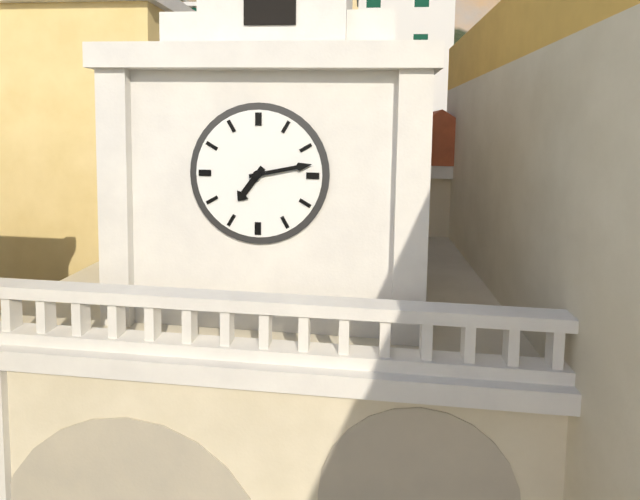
7:13
